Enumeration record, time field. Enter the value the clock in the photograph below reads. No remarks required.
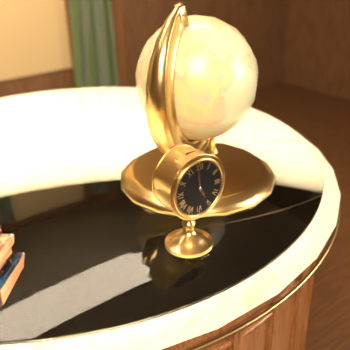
4:59
